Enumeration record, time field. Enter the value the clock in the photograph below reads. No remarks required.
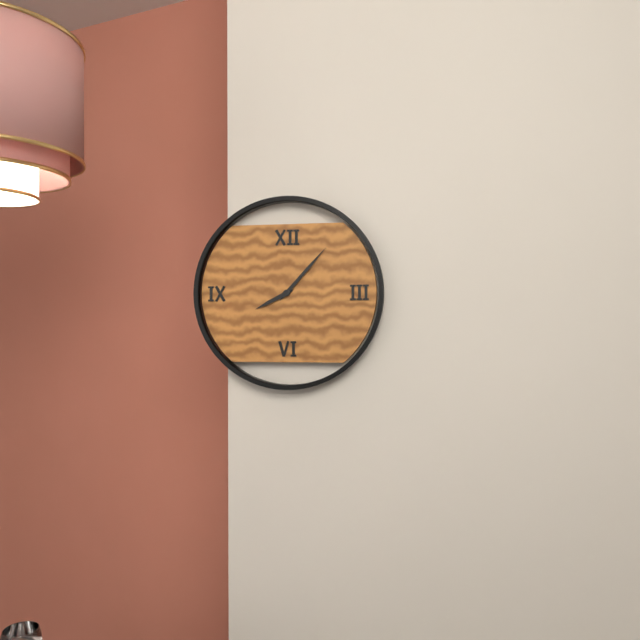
8:07
